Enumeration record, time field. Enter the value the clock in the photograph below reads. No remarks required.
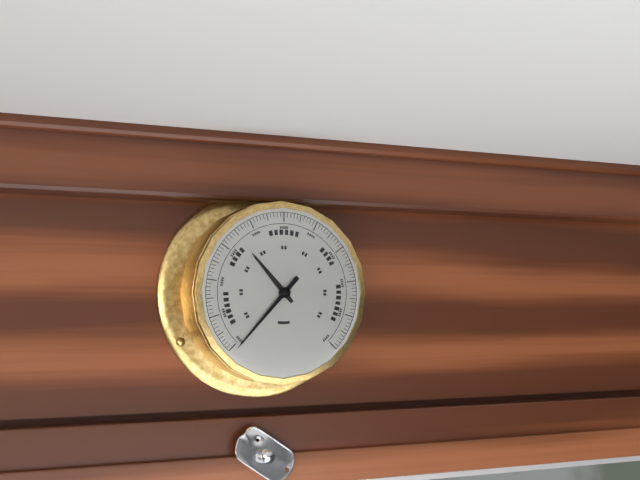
10:37
